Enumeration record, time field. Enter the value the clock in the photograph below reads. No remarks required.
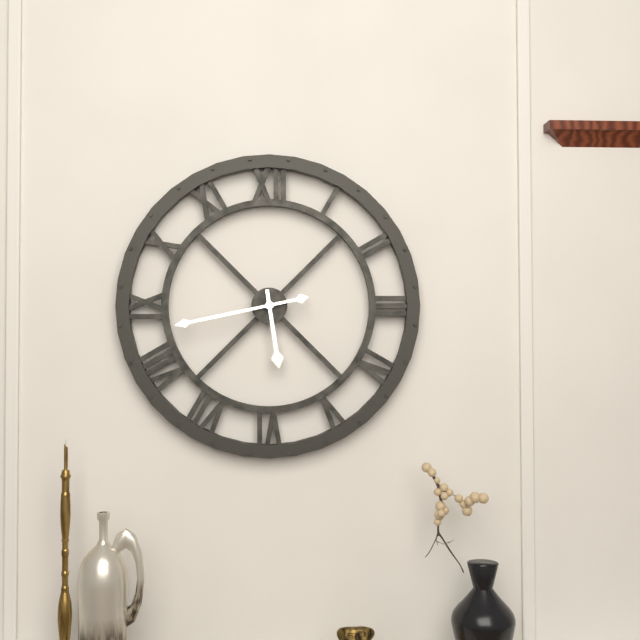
5:43
